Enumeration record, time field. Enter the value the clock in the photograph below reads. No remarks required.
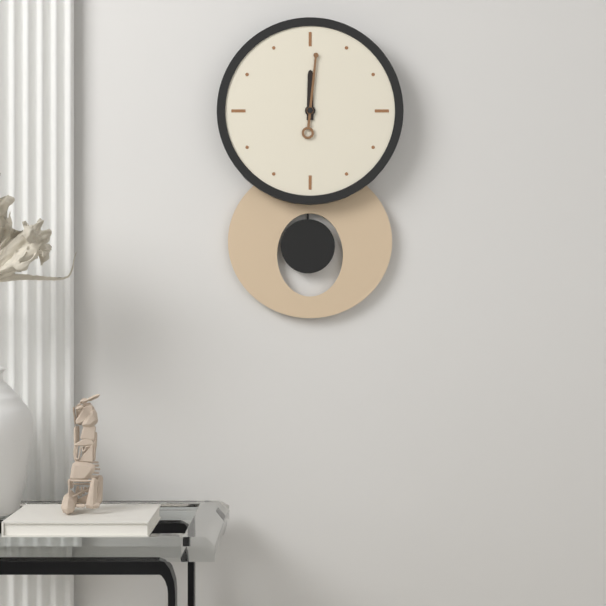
12:01
